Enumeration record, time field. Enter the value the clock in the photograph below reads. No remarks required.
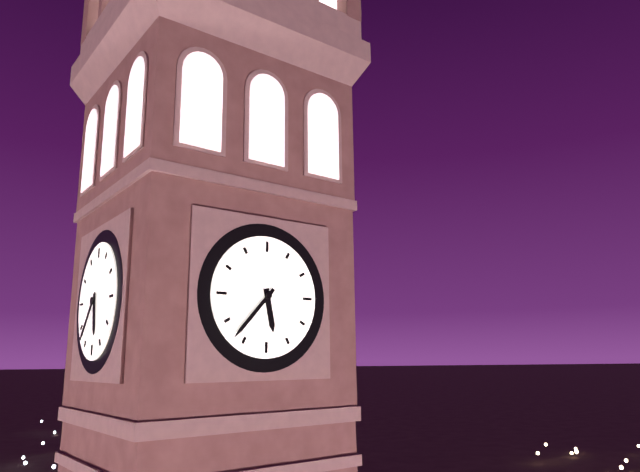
5:37
